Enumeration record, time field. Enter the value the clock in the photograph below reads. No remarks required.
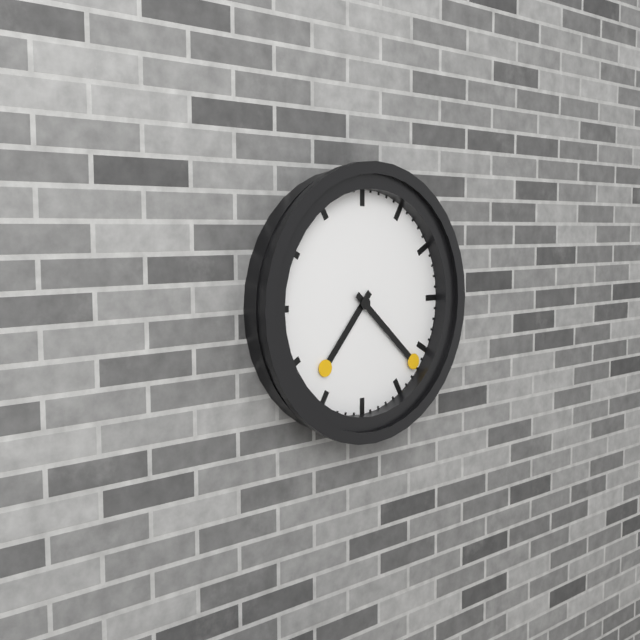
7:22
